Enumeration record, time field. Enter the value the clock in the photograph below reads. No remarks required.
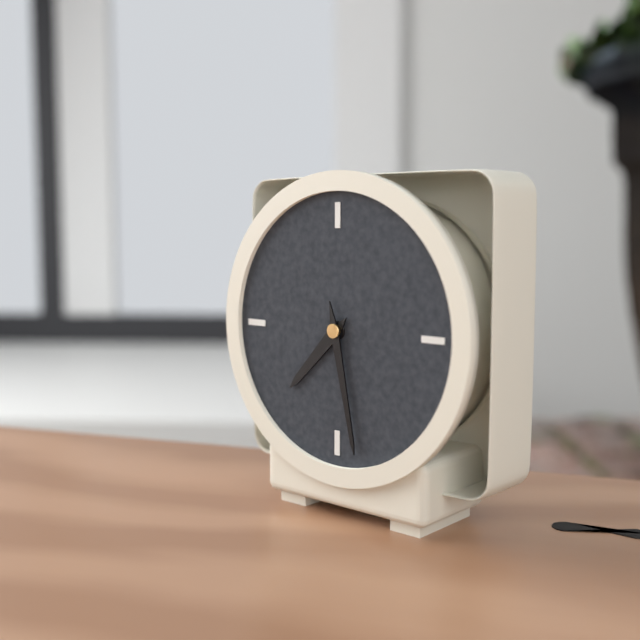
7:28
